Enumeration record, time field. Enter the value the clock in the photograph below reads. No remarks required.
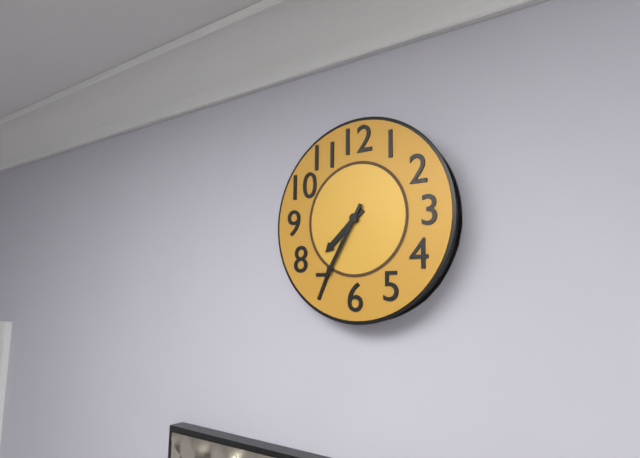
7:35
